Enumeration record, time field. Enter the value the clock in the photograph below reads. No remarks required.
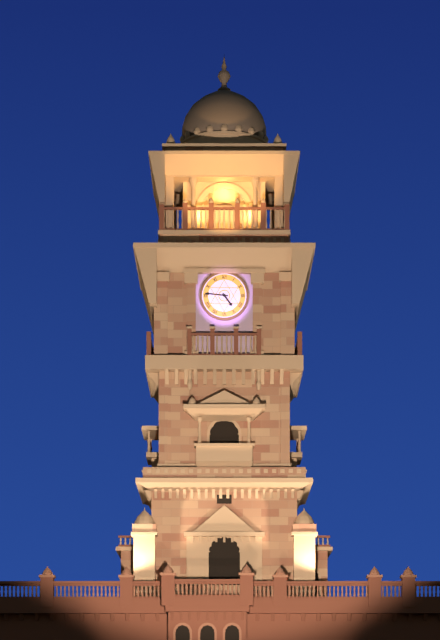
4:46
